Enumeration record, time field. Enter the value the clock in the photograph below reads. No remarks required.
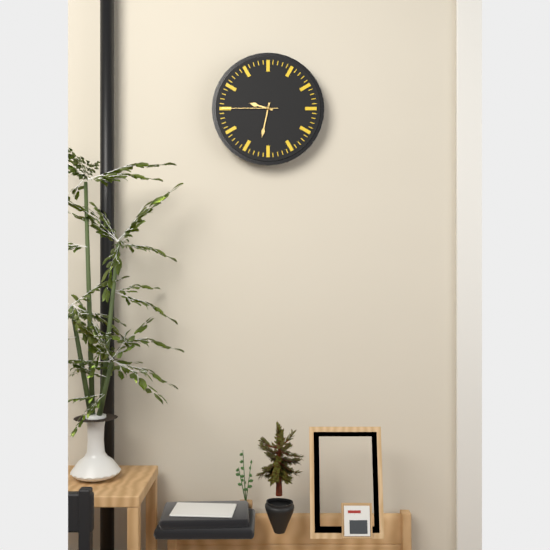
9:32:45
